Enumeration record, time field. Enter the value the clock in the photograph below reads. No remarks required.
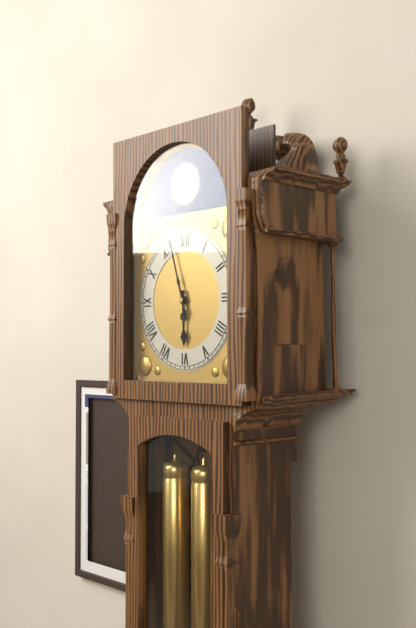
5:57
